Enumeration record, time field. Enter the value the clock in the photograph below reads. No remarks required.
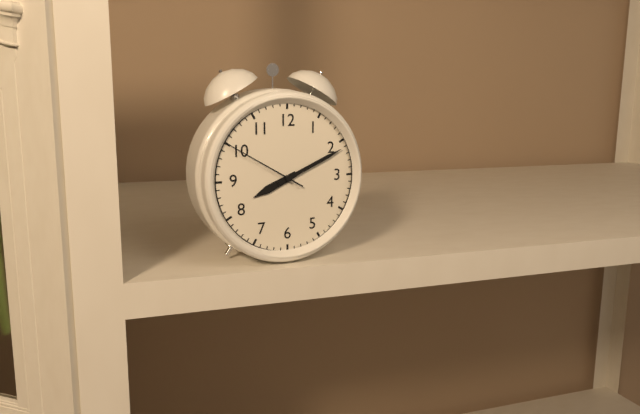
8:11:50
